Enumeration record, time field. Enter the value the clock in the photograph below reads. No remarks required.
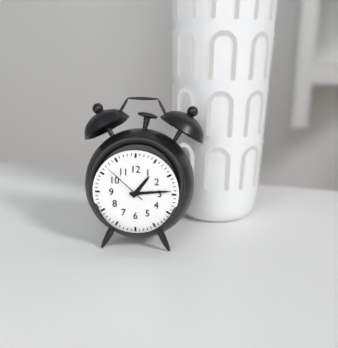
1:14
